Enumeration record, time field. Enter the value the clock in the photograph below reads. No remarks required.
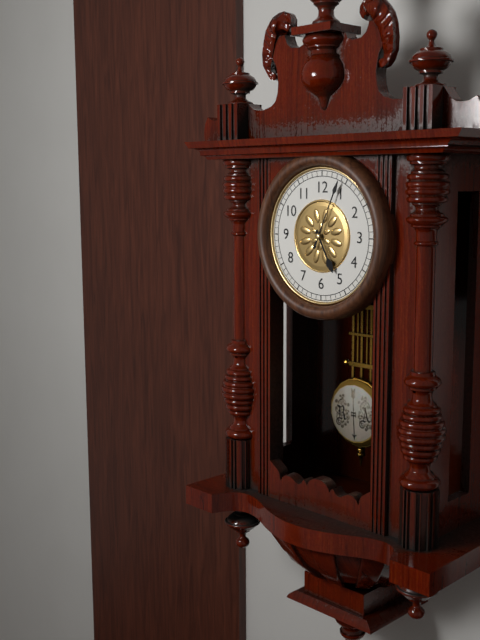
5:04
